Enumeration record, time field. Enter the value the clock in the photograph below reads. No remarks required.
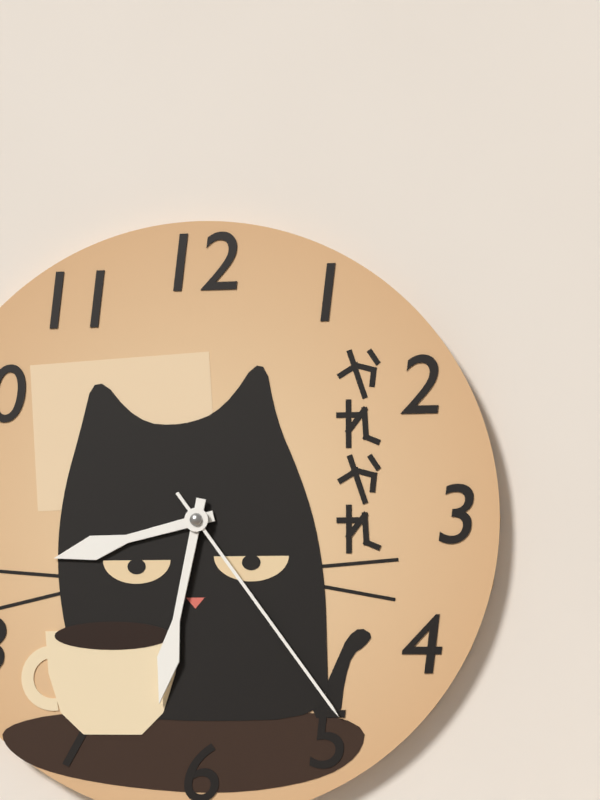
8:32:24
